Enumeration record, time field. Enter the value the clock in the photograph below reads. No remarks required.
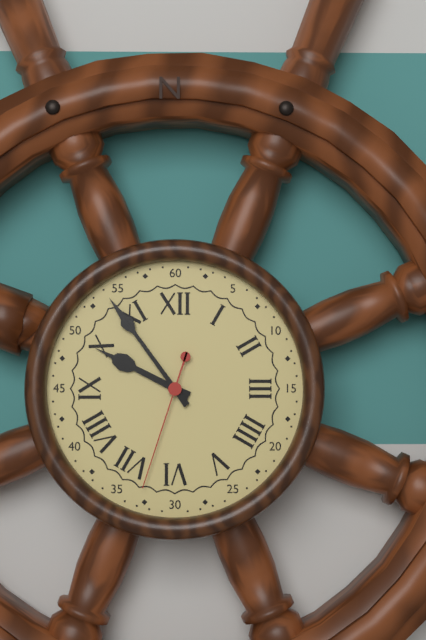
9:54:33
